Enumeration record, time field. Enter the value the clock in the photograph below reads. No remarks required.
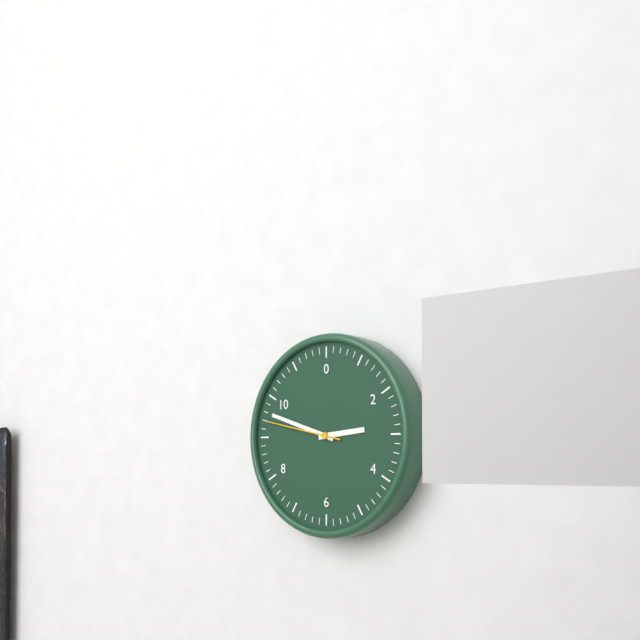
2:48:47
